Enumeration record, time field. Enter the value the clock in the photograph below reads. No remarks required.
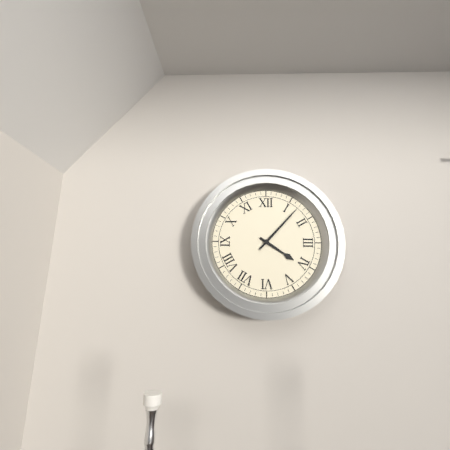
4:07
